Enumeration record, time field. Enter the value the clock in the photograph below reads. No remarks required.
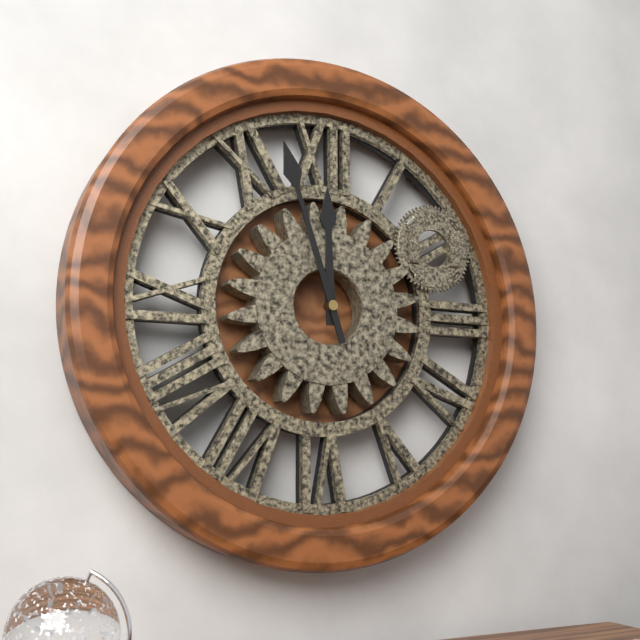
11:57
